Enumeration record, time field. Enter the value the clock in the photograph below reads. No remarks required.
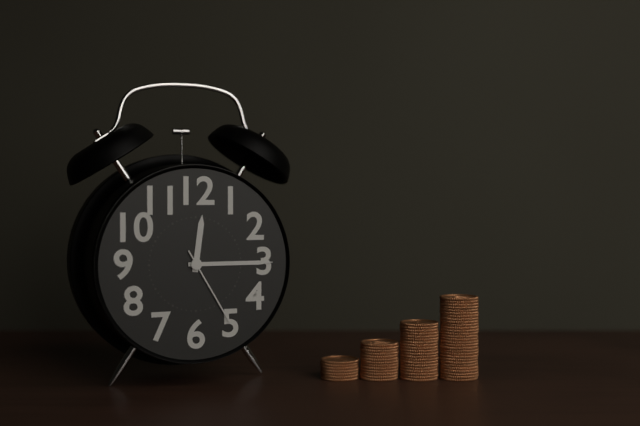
12:15:25
